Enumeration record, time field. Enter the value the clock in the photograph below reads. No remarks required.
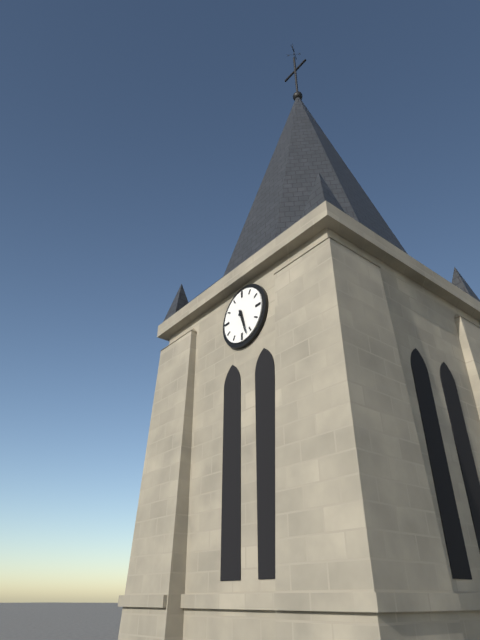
5:27
